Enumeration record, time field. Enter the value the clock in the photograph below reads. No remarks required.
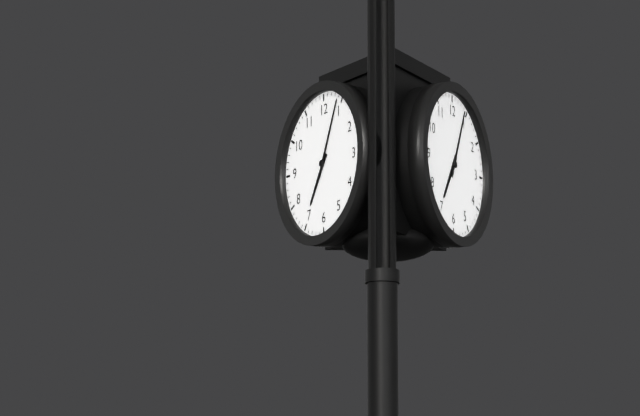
7:04
